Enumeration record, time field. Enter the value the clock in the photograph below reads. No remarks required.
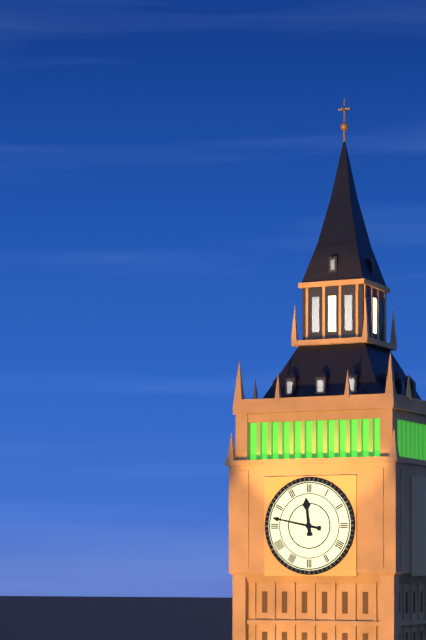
11:47
